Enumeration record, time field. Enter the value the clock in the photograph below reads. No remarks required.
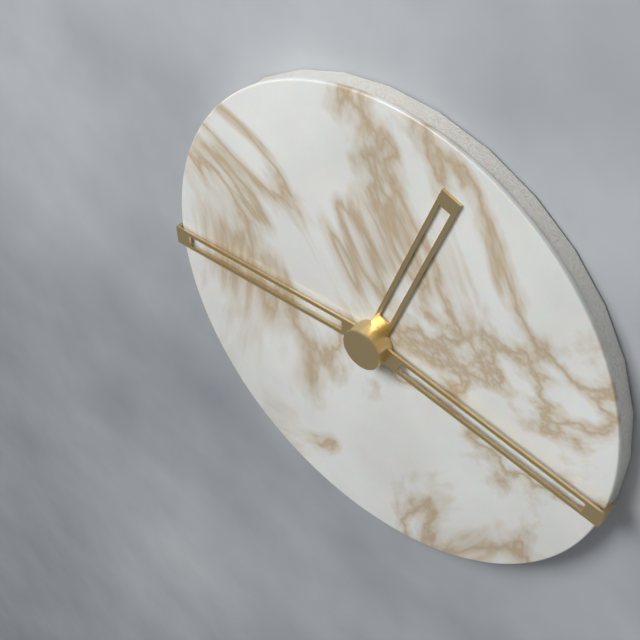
12:45:17
